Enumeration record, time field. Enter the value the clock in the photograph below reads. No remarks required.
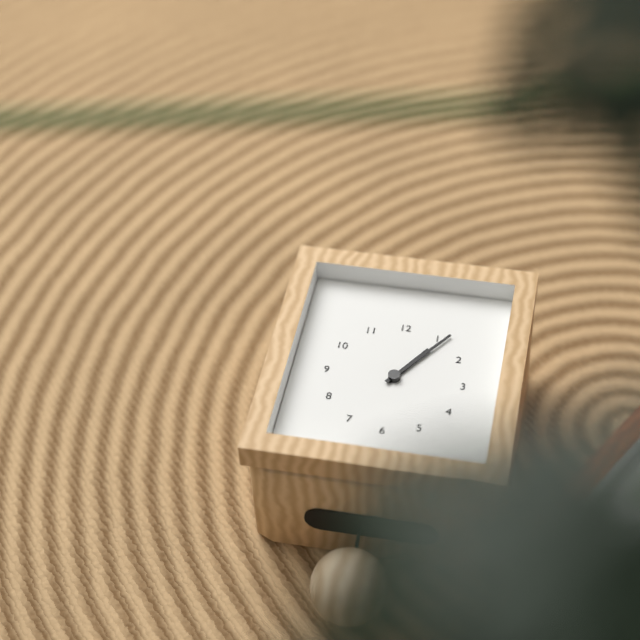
1:06
